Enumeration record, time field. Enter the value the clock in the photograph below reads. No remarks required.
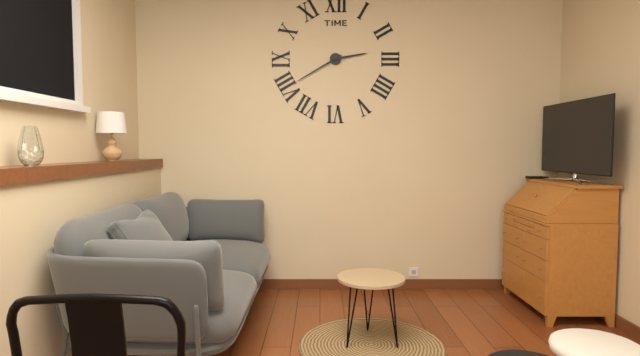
2:40
